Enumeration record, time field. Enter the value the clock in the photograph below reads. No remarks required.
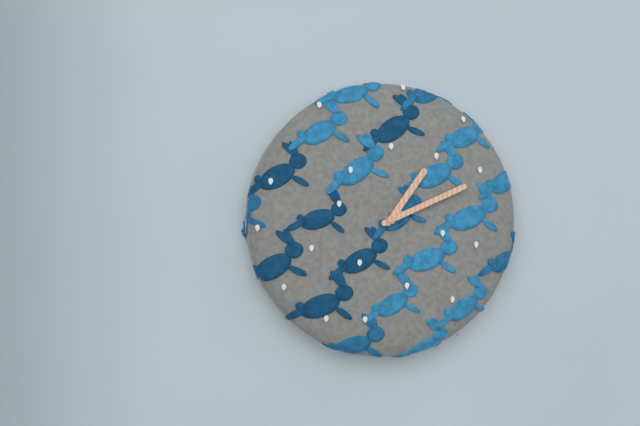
1:11
